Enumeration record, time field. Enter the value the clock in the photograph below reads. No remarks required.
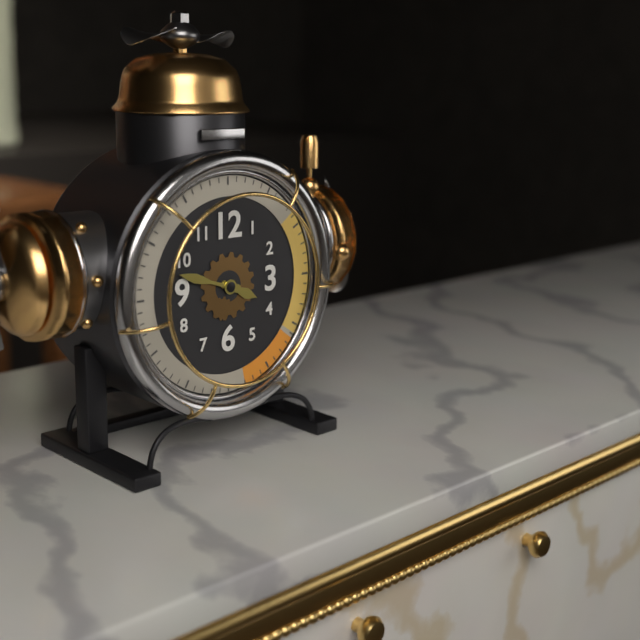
3:48
